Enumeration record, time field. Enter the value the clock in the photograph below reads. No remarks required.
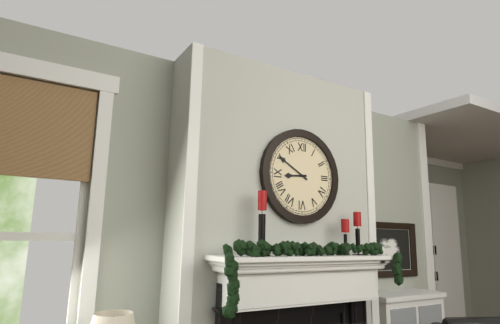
8:50
